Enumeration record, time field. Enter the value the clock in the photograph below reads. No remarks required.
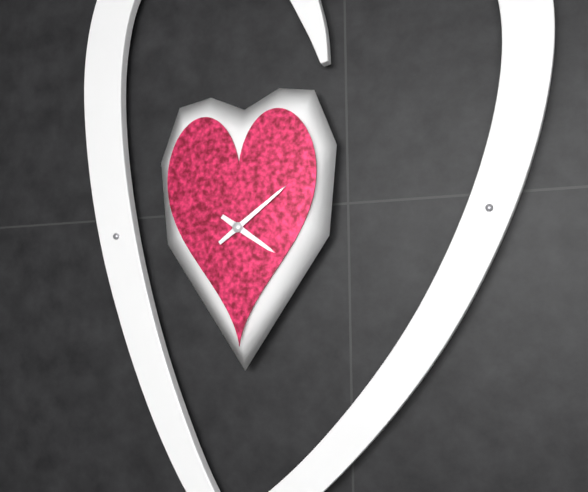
4:09
